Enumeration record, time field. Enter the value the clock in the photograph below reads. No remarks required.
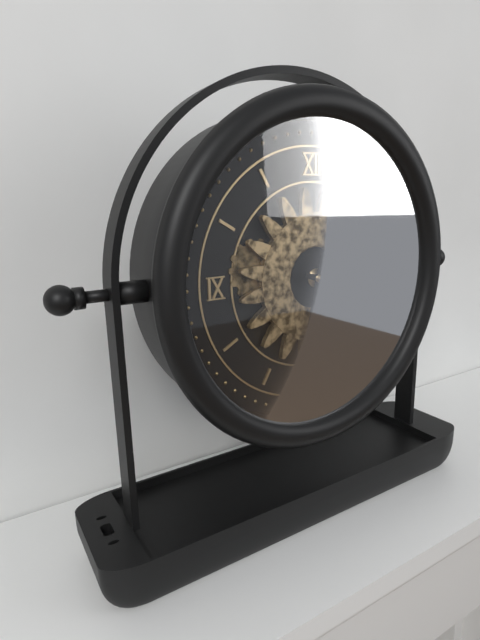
3:32
